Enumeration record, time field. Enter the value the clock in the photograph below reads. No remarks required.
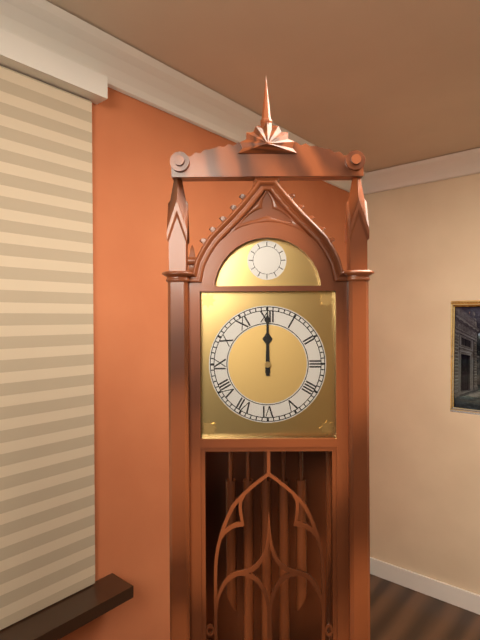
12:00
